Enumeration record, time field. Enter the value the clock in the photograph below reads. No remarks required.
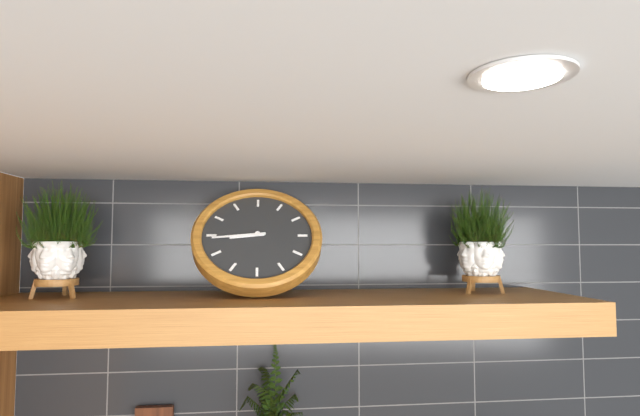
8:44
